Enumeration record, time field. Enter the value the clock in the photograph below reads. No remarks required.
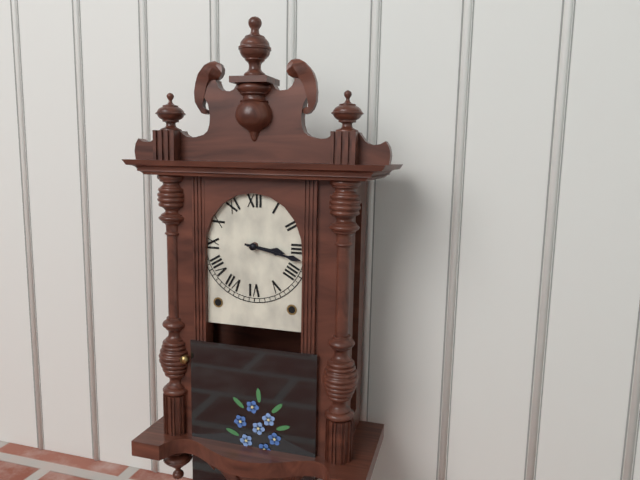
3:17
